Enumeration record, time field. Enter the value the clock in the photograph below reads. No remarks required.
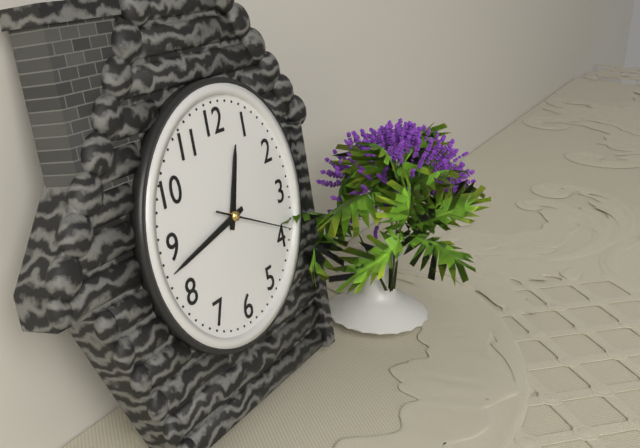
12:43:19
